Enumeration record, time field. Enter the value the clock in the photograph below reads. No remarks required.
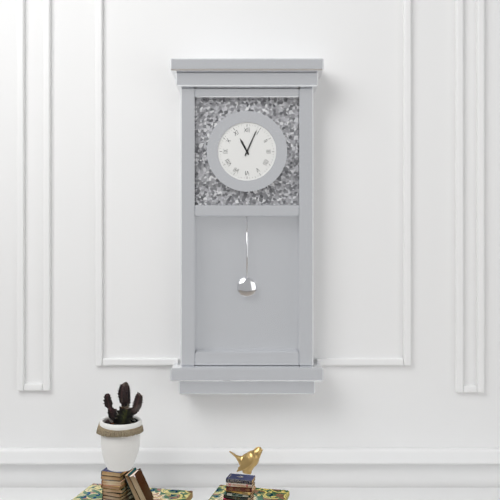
11:04
